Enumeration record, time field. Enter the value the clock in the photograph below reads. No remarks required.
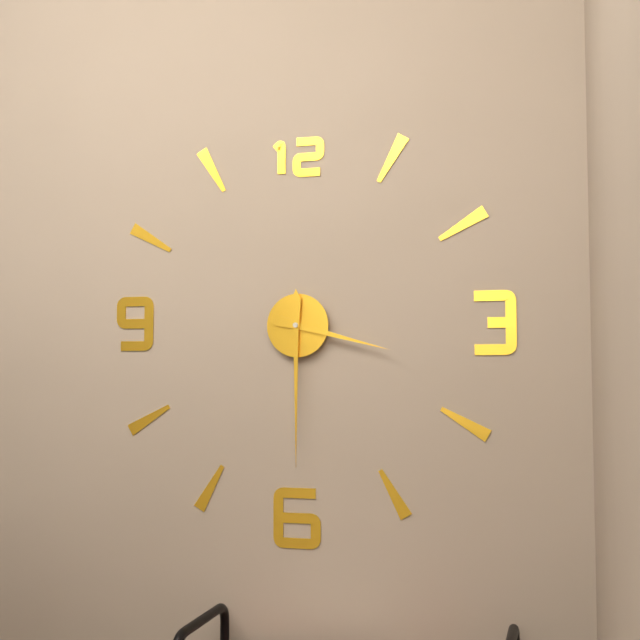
3:30
